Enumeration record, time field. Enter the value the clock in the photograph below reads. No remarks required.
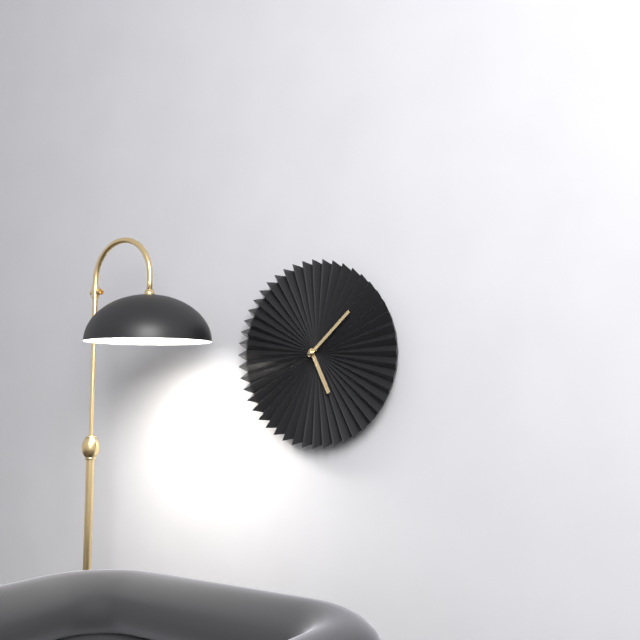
5:08
